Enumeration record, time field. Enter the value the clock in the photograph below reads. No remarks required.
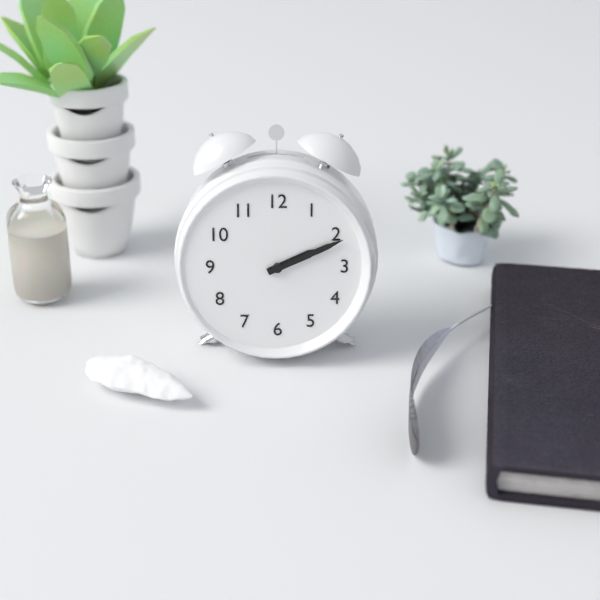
2:11
